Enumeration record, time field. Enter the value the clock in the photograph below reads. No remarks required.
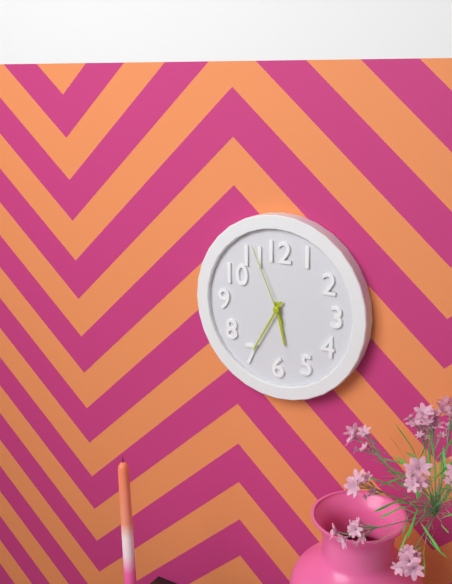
5:35:56
